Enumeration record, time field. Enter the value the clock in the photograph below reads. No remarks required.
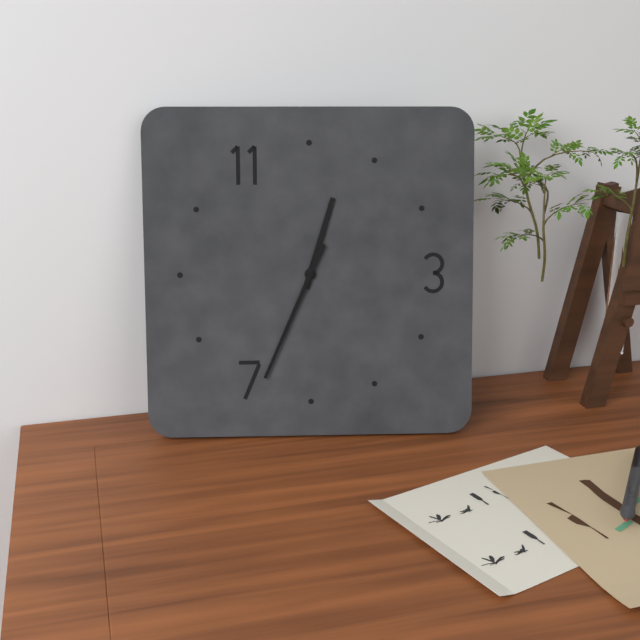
12:34
